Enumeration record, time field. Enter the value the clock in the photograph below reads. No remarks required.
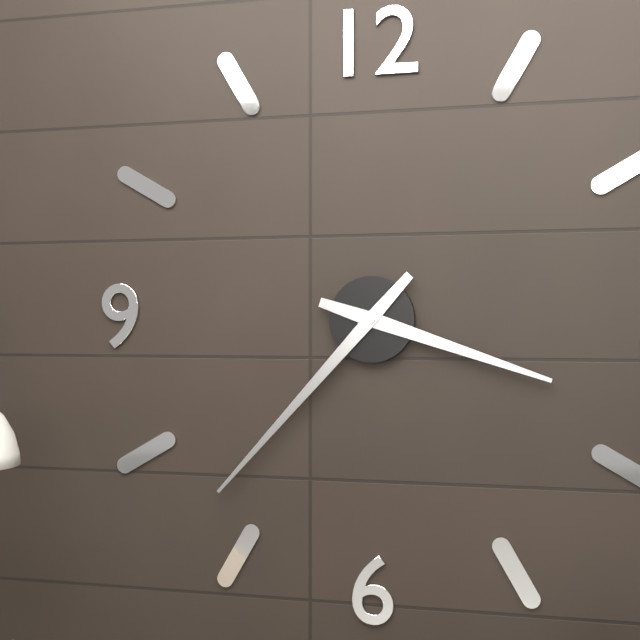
3:37
